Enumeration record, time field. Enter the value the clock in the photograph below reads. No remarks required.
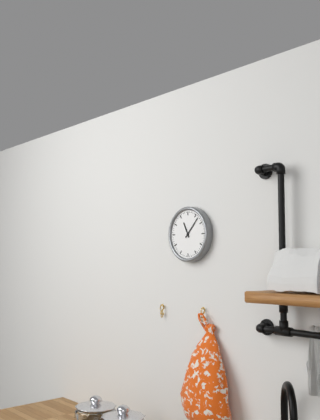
11:07
